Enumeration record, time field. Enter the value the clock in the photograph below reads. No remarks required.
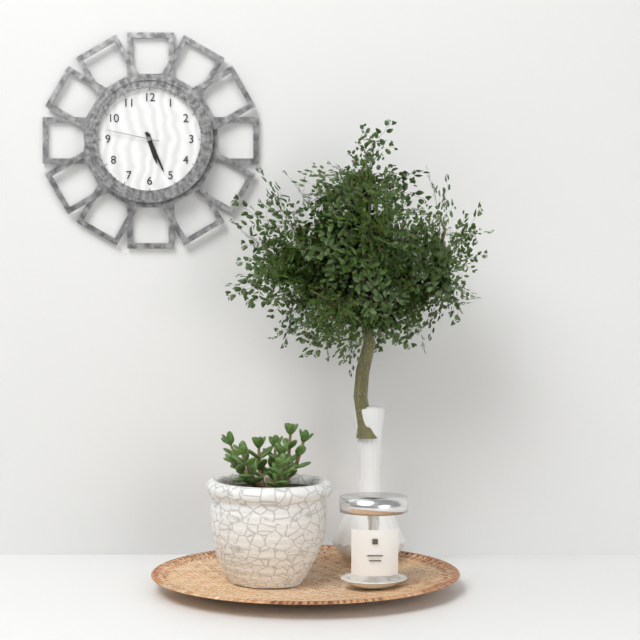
5:26:47
